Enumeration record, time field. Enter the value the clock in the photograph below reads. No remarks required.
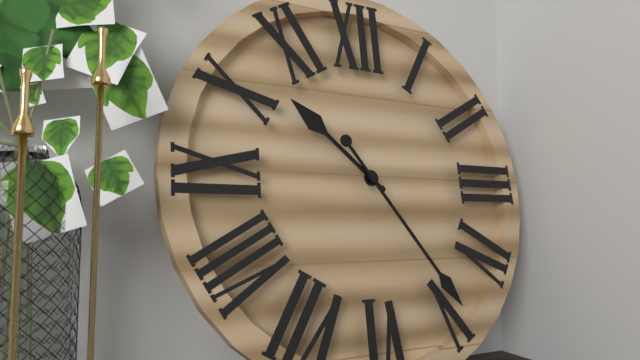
10:24
